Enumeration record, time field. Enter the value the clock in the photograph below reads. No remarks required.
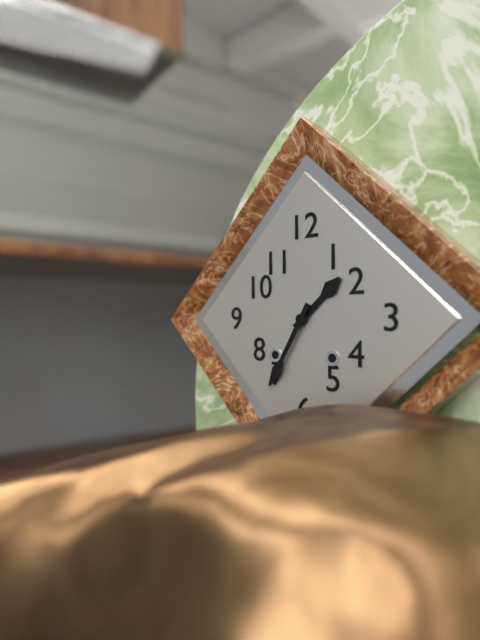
1:35
